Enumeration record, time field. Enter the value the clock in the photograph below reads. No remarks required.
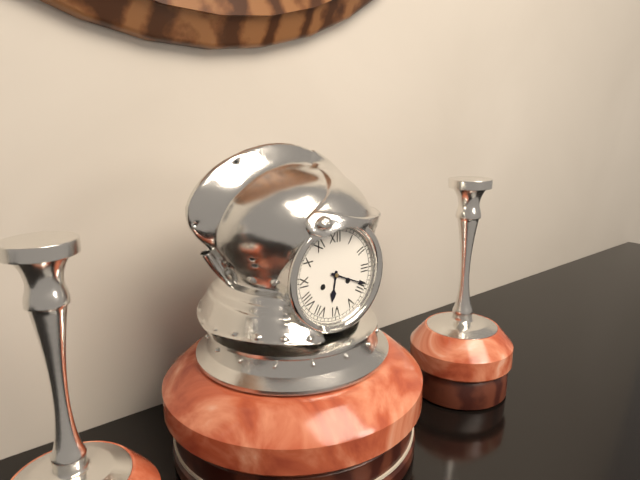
6:19
